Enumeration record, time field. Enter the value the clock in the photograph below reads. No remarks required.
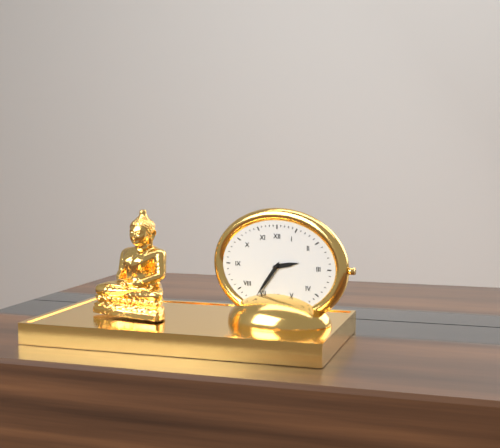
2:36
